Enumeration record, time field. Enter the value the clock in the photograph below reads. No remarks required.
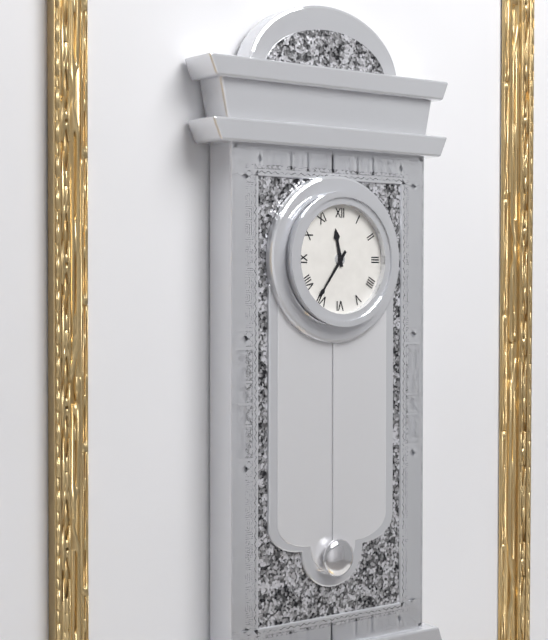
11:36
